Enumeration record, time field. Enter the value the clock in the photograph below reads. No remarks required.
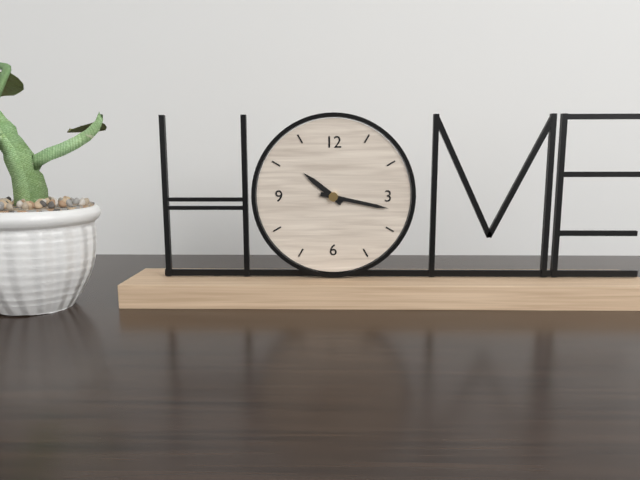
10:17
